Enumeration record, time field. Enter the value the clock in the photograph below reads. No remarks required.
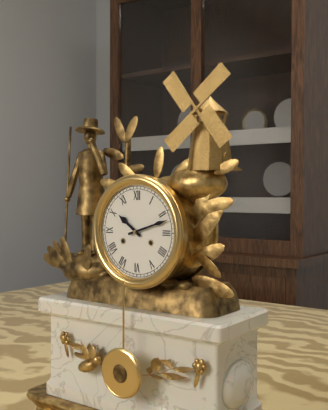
10:12
